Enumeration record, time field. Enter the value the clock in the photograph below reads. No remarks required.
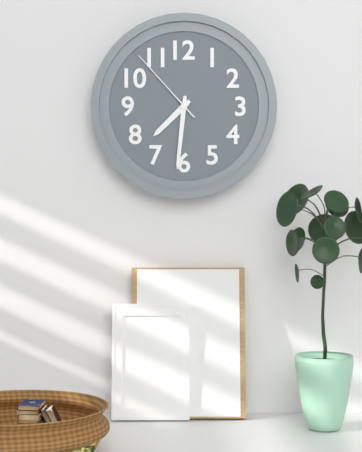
7:31:53
